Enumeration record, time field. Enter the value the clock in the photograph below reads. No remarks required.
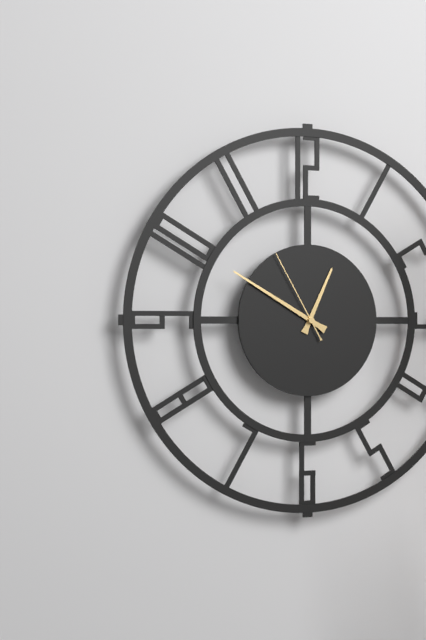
12:50:55
